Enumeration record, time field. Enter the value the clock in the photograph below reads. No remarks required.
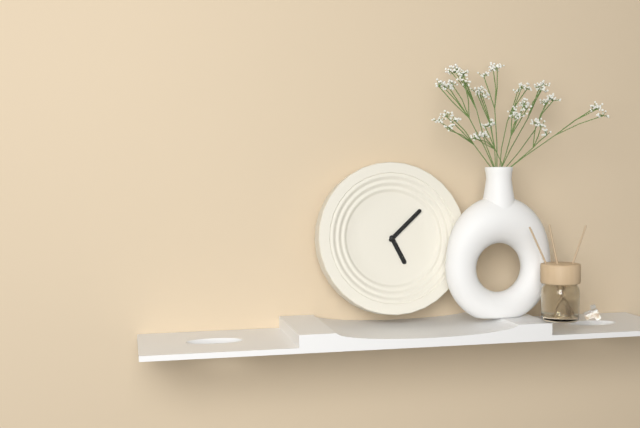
5:08
